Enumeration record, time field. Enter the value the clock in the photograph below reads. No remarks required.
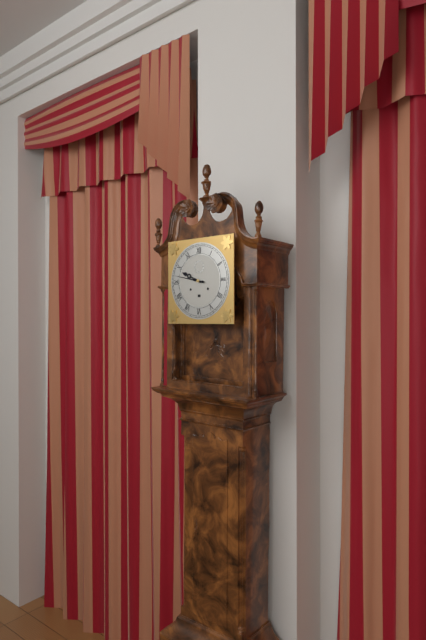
9:47
